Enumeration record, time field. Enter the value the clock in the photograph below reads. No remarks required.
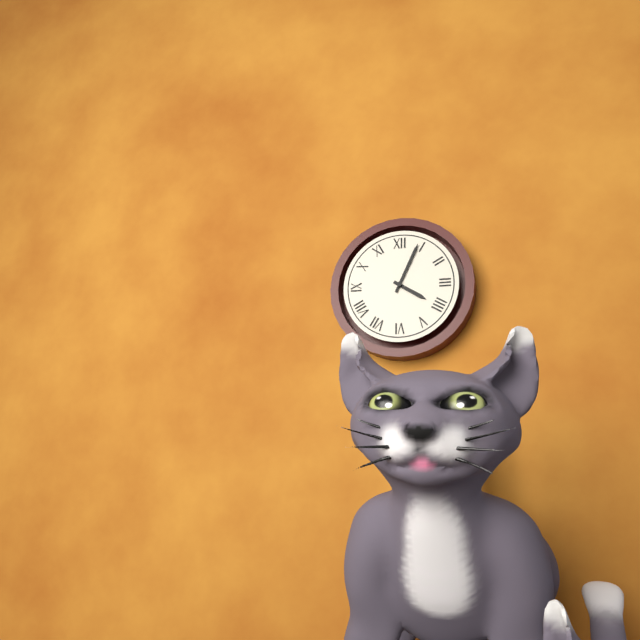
4:04
